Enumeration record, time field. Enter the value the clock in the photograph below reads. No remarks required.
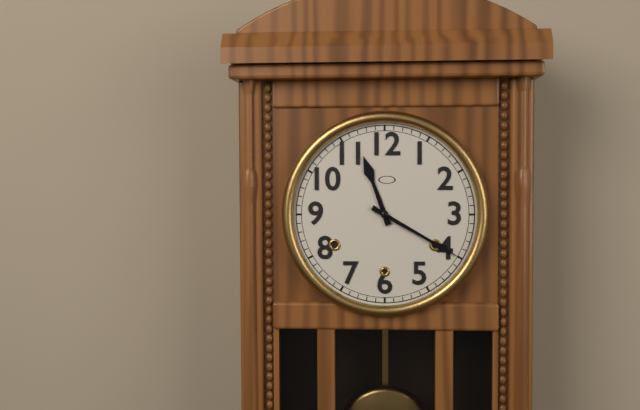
11:20
